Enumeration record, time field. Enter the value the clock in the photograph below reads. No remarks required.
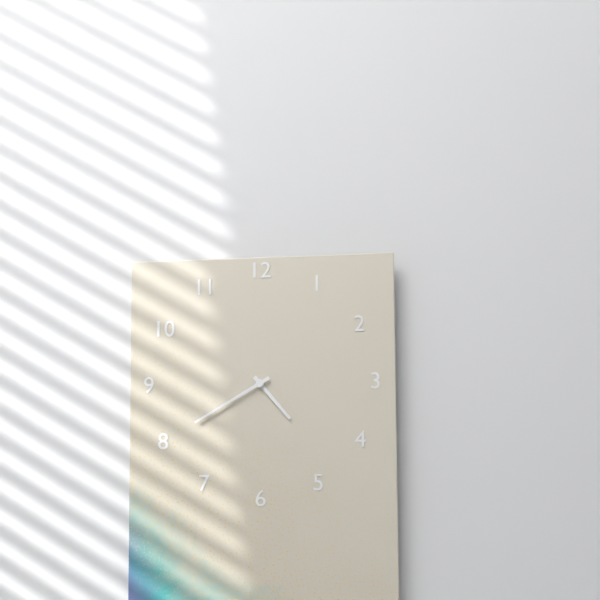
4:40
